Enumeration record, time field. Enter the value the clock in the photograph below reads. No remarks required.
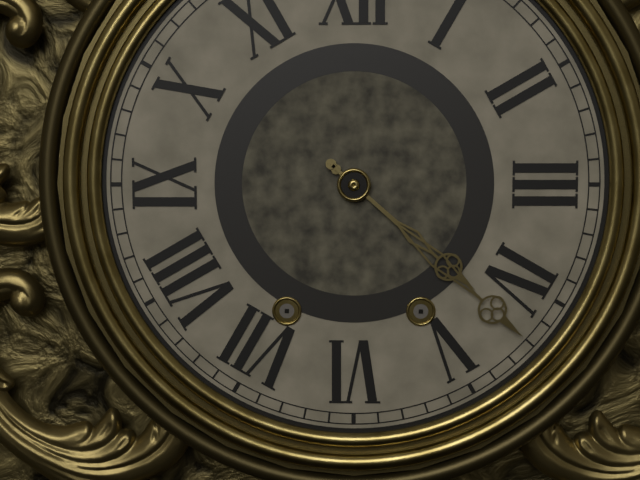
4:22
